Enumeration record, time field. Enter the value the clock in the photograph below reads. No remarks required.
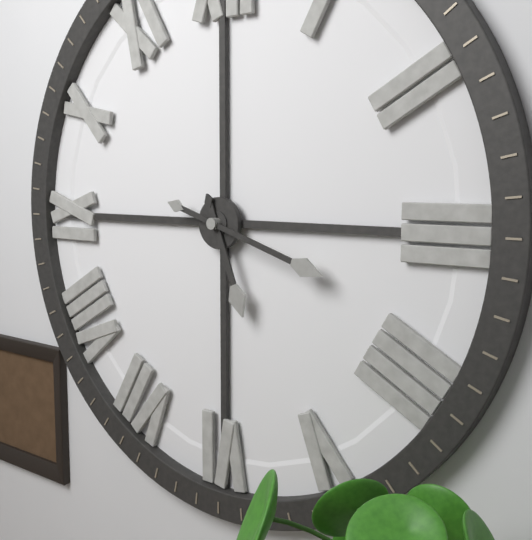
5:18
